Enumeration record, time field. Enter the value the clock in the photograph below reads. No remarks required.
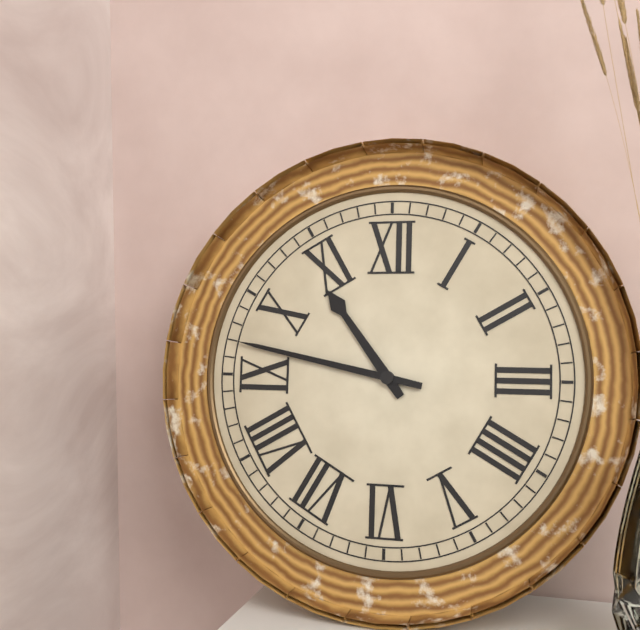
10:47
